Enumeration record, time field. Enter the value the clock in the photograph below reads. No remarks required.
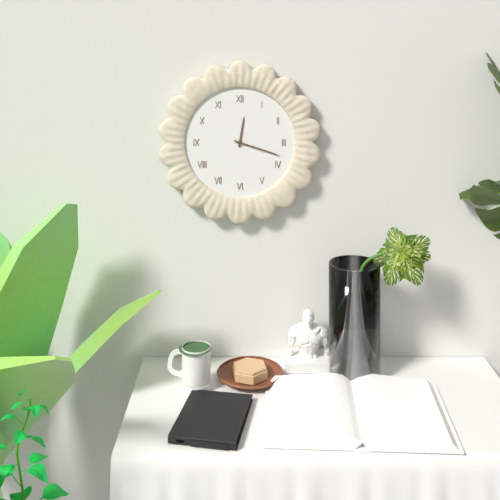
12:18
